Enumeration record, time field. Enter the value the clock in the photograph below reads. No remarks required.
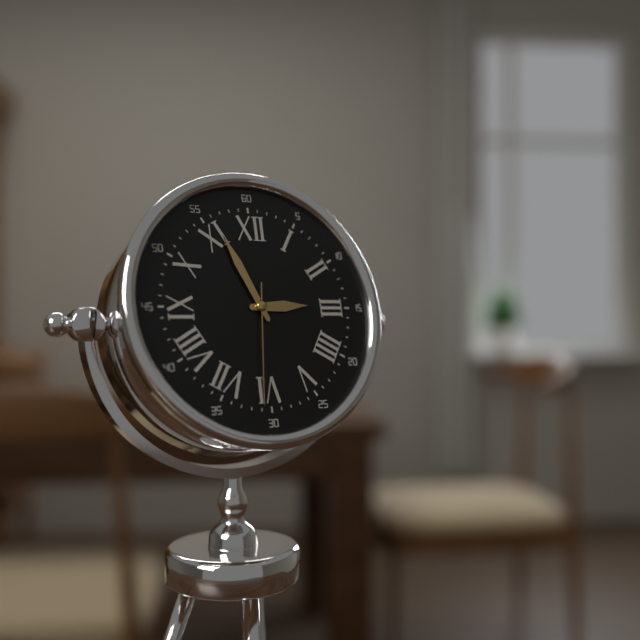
2:56:31
